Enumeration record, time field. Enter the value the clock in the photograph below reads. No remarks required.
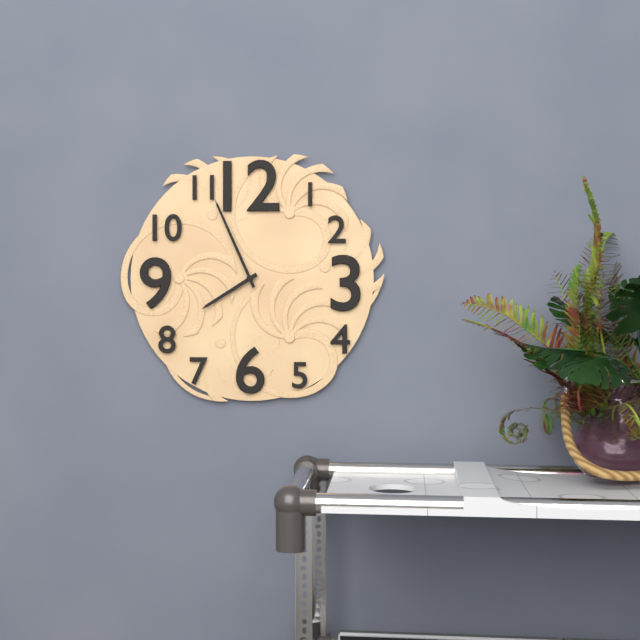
7:56
